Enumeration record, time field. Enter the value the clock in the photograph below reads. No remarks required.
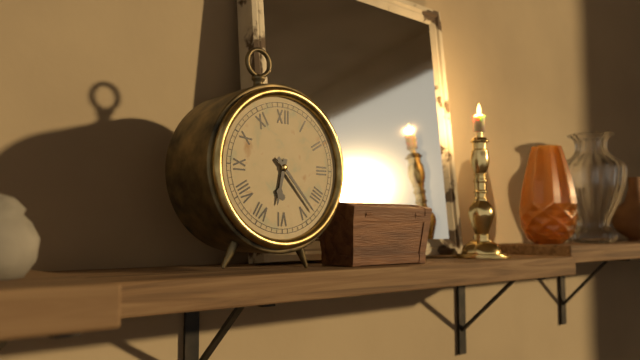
6:23
